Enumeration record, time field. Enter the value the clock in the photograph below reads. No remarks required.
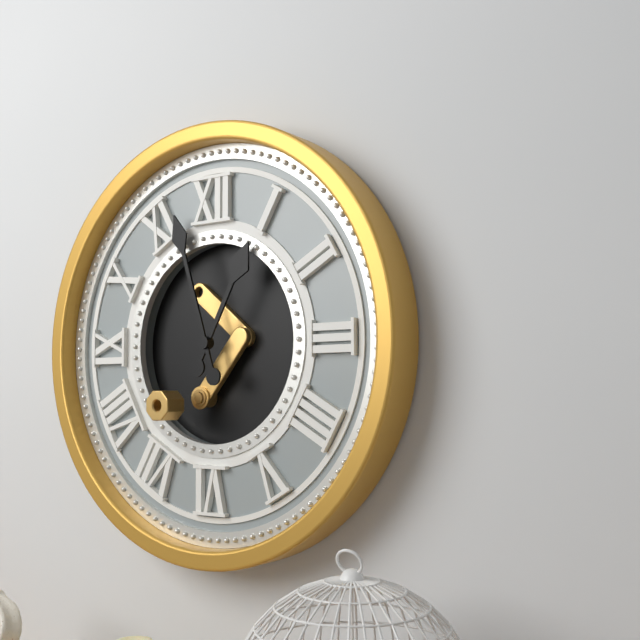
12:57
